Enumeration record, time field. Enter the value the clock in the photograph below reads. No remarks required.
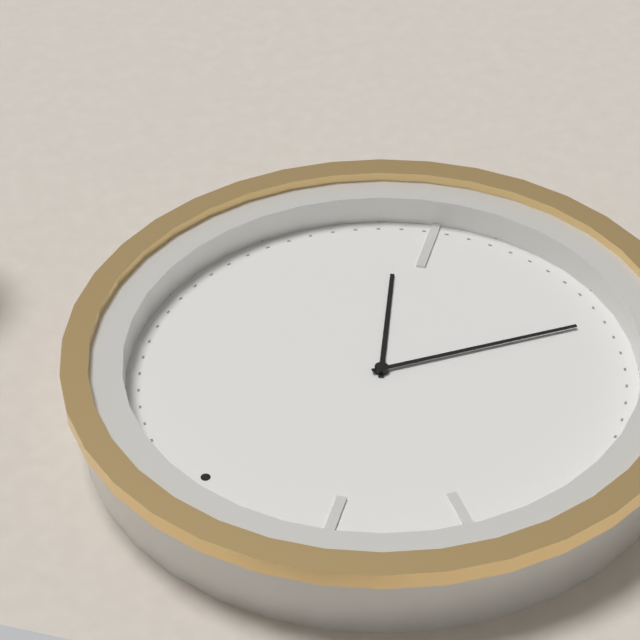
4:34
